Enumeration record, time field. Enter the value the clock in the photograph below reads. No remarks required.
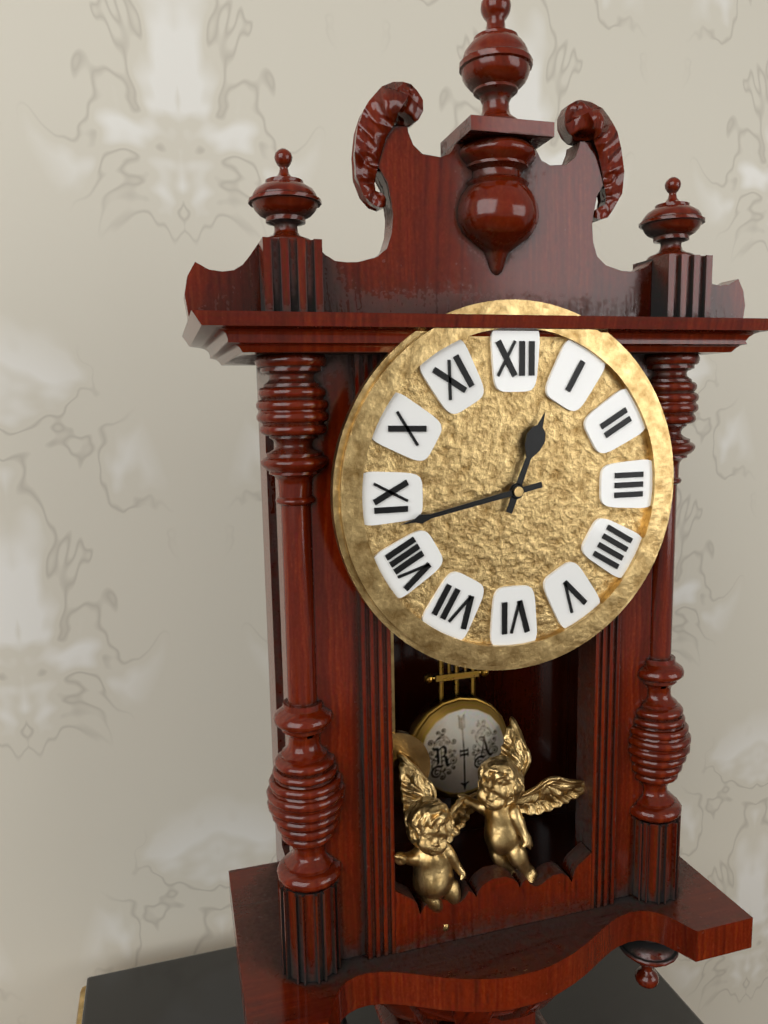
12:43
